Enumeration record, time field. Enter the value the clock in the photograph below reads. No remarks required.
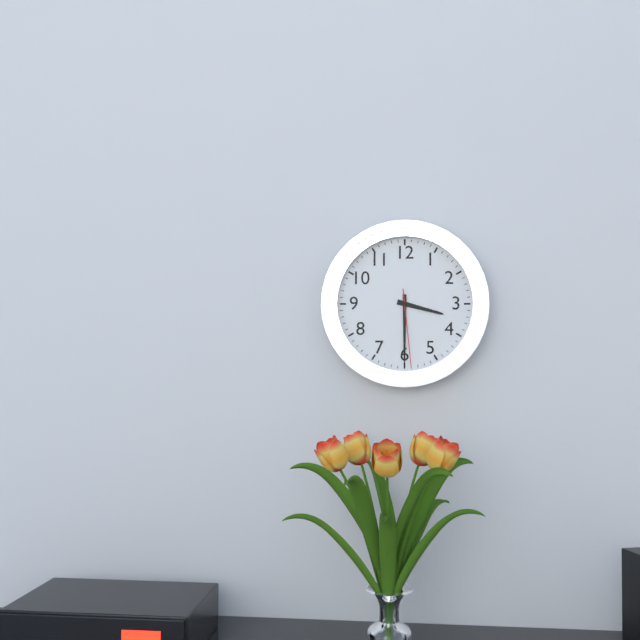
3:30:29
